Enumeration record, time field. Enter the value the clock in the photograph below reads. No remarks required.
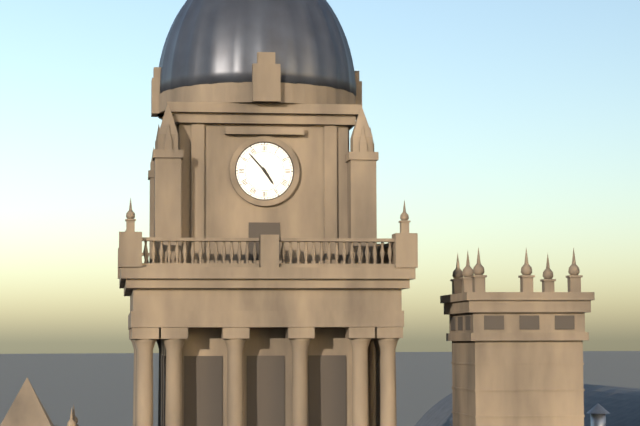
4:53
